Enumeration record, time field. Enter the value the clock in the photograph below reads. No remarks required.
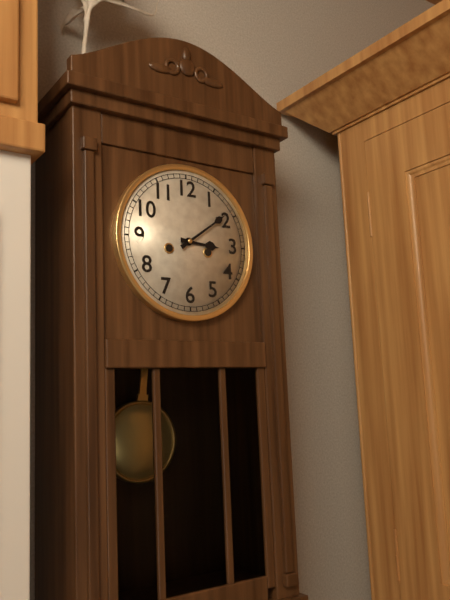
3:09
